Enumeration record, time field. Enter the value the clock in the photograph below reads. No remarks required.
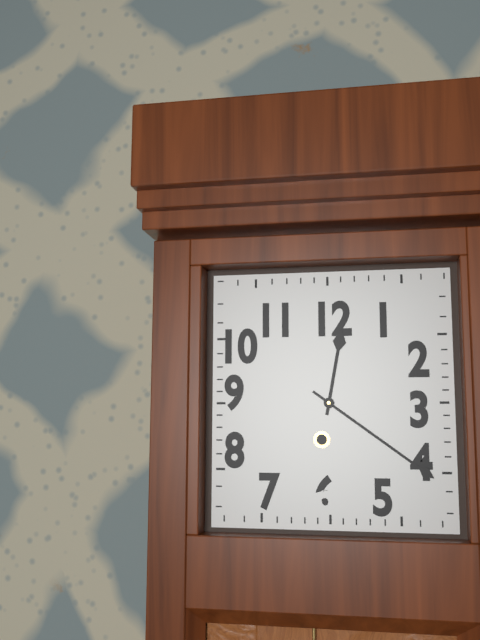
12:21
